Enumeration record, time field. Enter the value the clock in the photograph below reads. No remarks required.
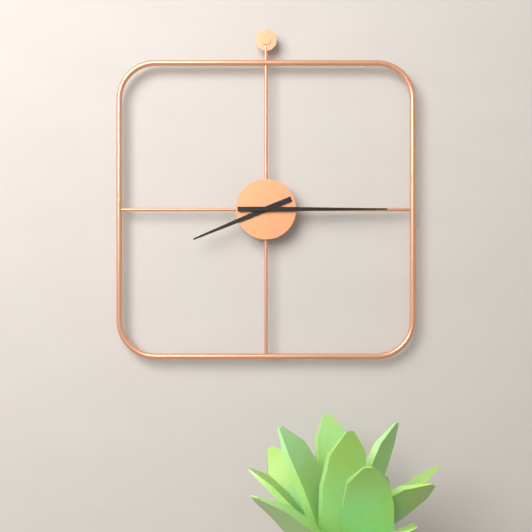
8:15
